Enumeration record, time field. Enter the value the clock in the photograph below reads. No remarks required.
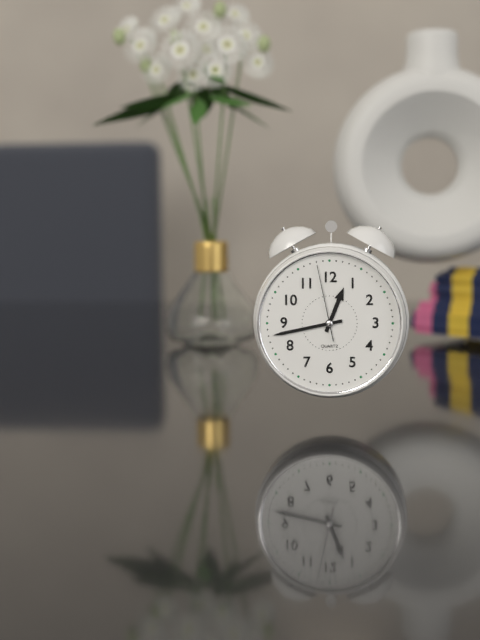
12:43:58
